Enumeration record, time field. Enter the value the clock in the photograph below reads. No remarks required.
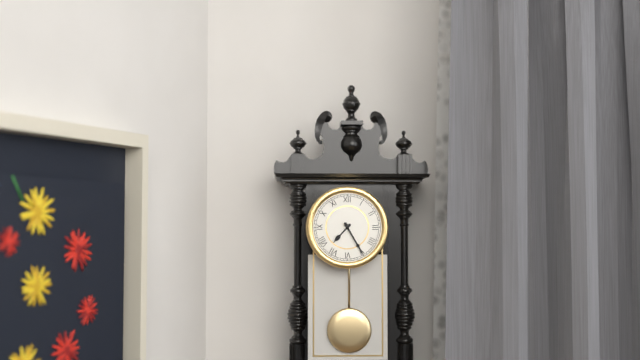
7:25
